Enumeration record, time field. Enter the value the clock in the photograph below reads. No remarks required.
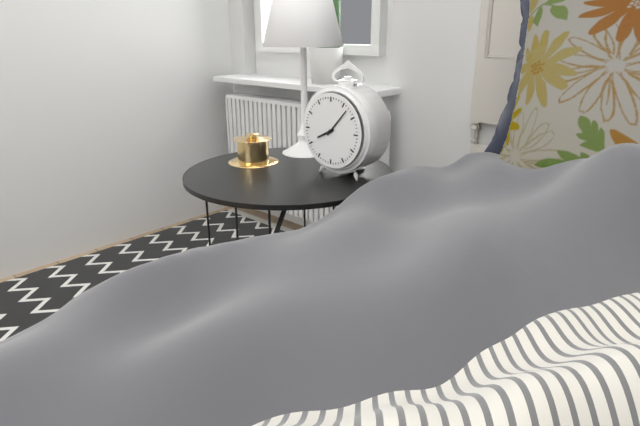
8:07
